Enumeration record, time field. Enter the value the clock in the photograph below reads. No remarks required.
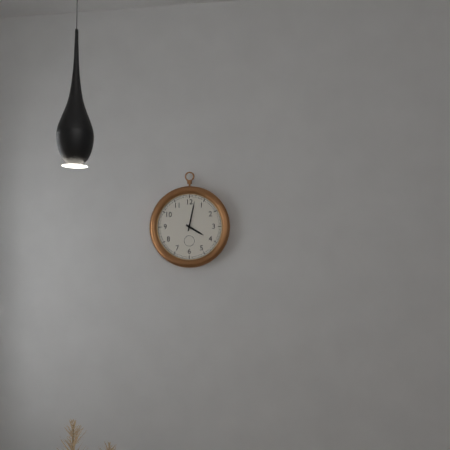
4:02
